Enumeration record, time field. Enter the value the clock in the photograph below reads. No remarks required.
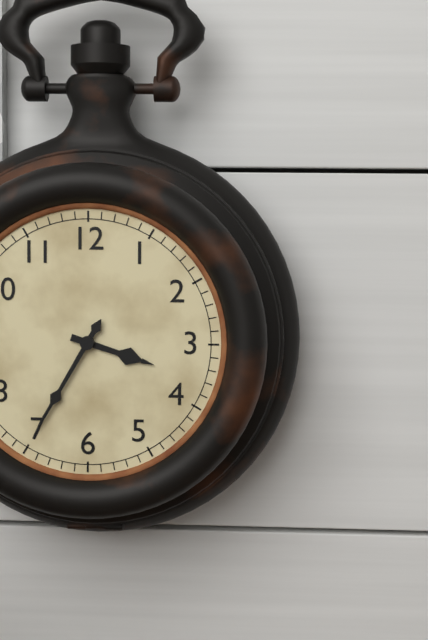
3:35
